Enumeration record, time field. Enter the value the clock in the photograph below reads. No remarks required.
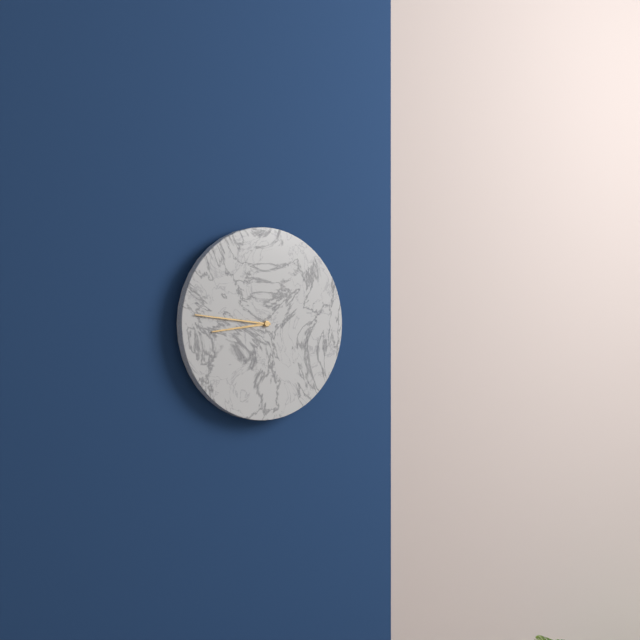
8:46
